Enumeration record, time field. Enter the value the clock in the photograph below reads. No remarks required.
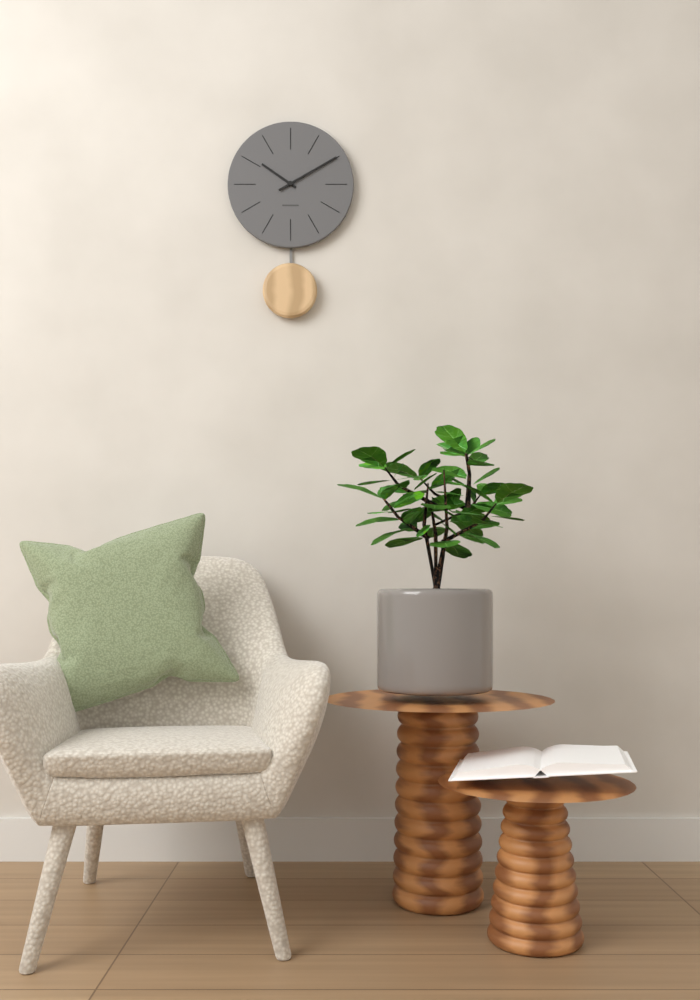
10:10
